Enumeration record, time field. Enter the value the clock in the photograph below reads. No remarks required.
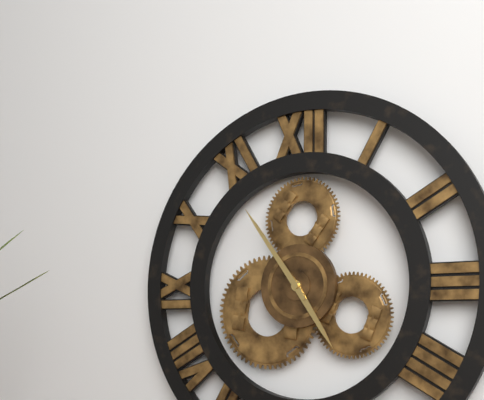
4:54
